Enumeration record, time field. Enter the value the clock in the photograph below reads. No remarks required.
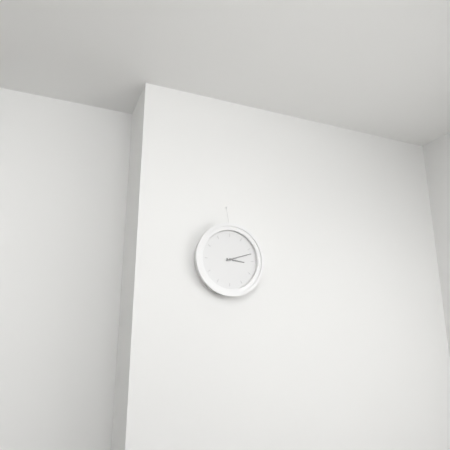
3:12
